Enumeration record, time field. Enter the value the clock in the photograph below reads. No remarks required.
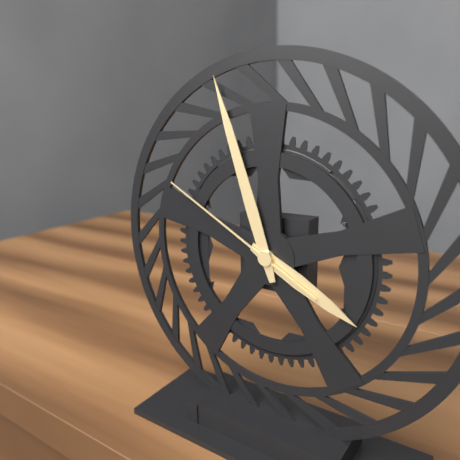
3:57:50
